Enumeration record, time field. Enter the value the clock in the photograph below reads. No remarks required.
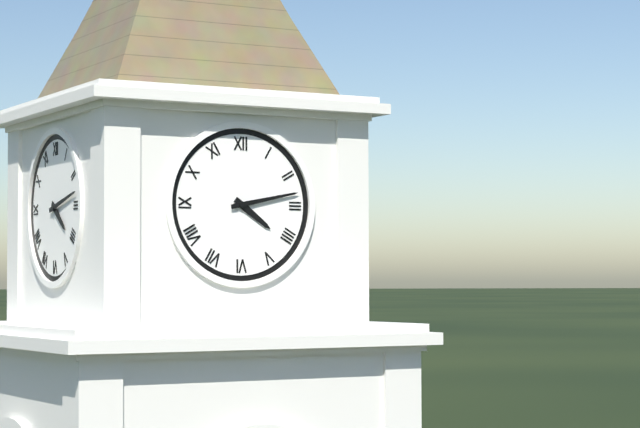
4:13
